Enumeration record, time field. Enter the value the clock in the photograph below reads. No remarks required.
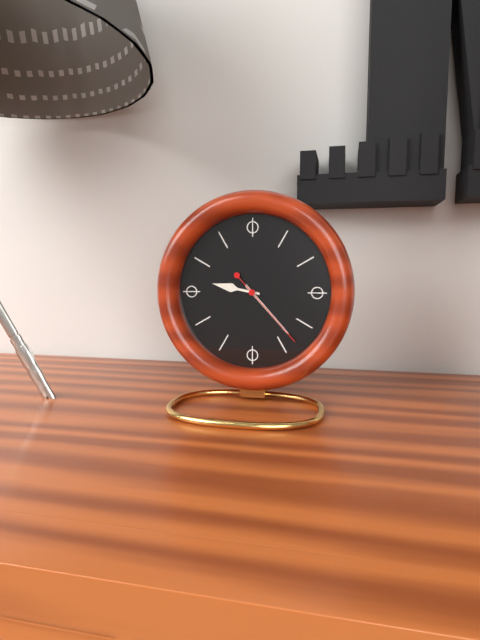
9:23:23
